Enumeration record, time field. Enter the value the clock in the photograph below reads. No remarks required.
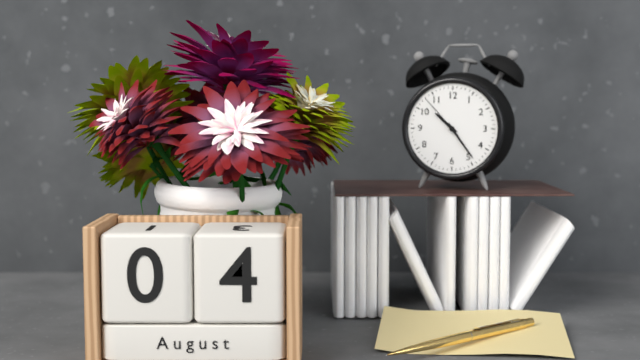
10:24:53
